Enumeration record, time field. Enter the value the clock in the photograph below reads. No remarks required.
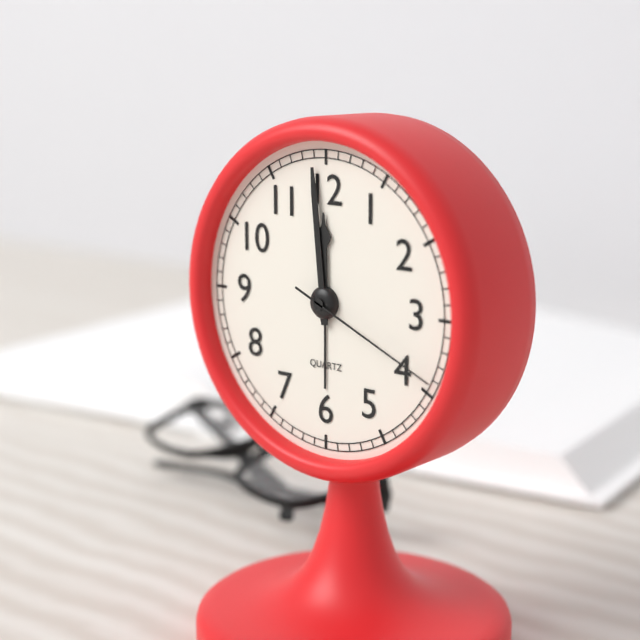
11:59:19
